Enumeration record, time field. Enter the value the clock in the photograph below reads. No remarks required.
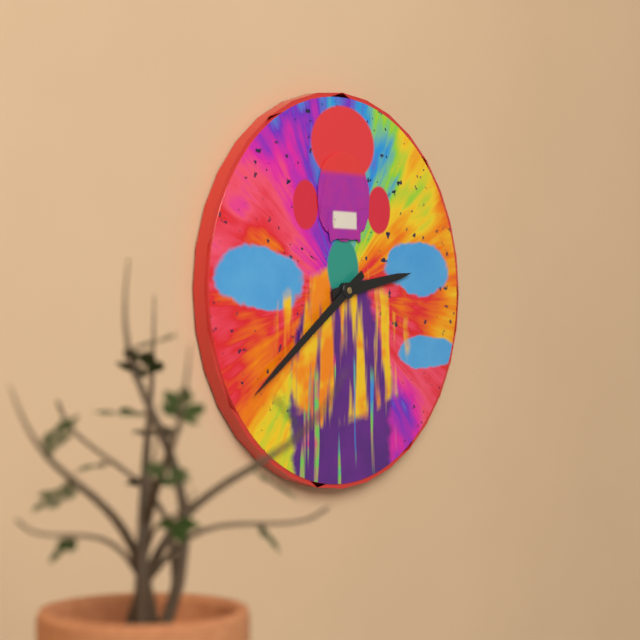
2:39
